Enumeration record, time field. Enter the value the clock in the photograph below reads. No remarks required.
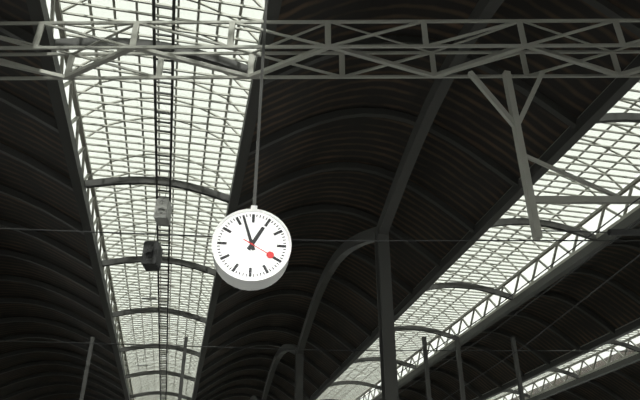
12:57
